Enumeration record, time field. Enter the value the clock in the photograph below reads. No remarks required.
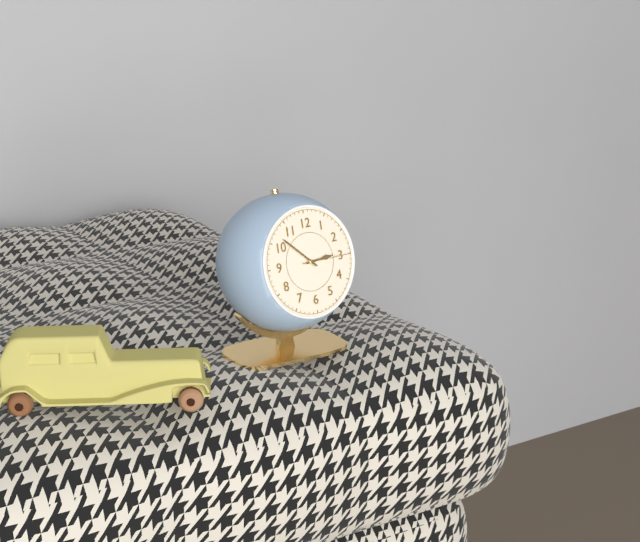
2:52:15
